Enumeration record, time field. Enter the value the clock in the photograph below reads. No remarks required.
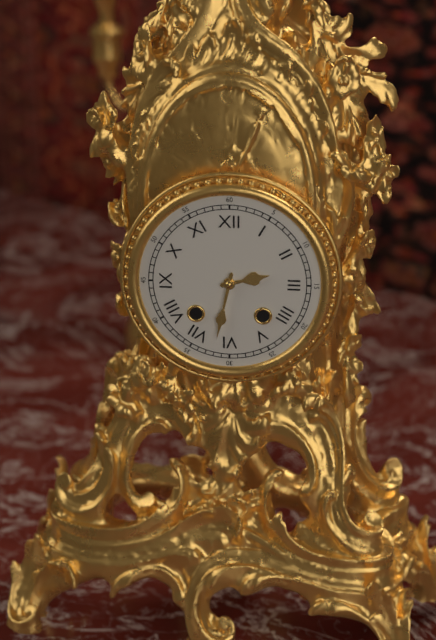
2:32
